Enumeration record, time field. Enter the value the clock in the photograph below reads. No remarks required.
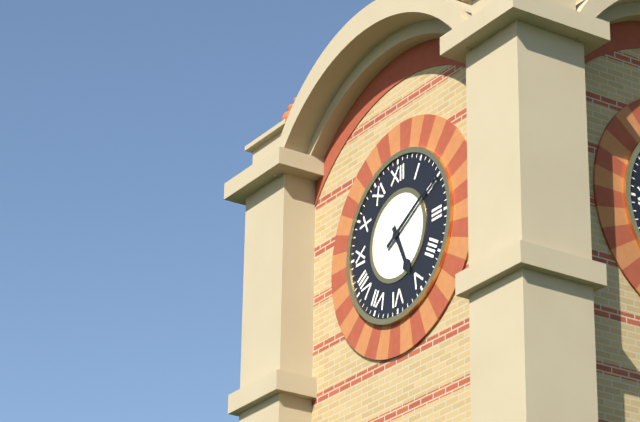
5:10
